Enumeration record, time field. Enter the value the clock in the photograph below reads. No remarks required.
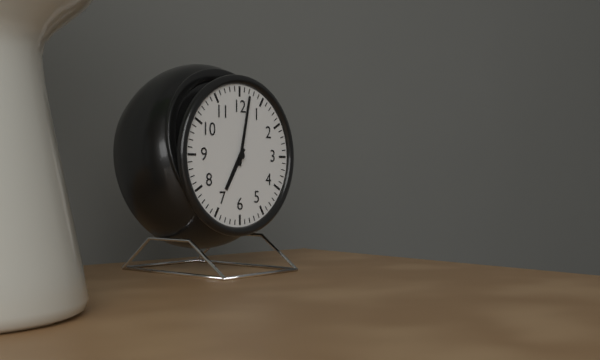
7:02
